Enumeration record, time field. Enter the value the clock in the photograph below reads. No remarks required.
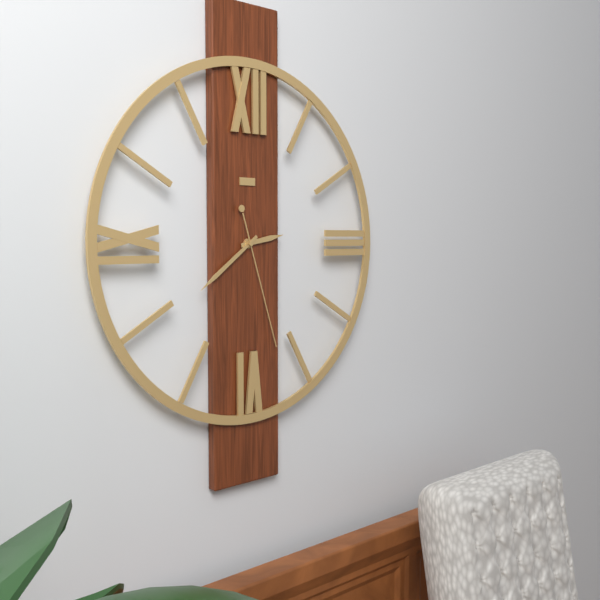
2:39:27
